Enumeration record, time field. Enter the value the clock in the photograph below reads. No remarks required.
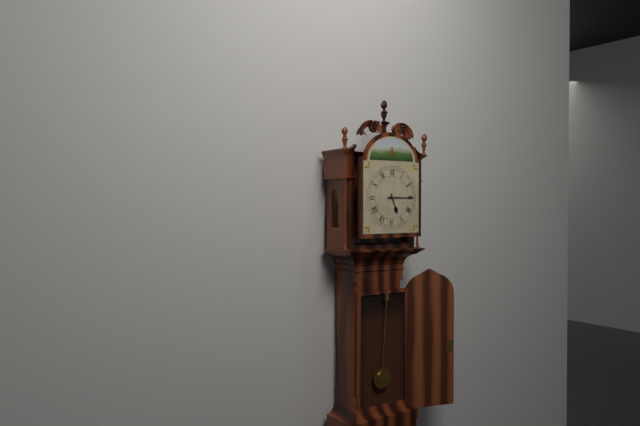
5:15
